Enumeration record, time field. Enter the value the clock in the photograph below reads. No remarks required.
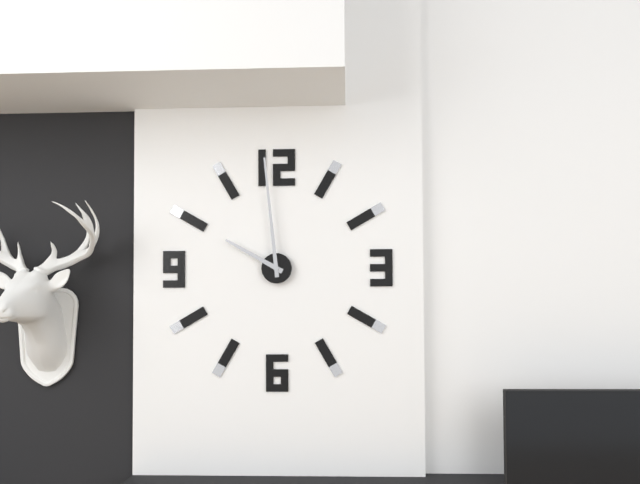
9:59
